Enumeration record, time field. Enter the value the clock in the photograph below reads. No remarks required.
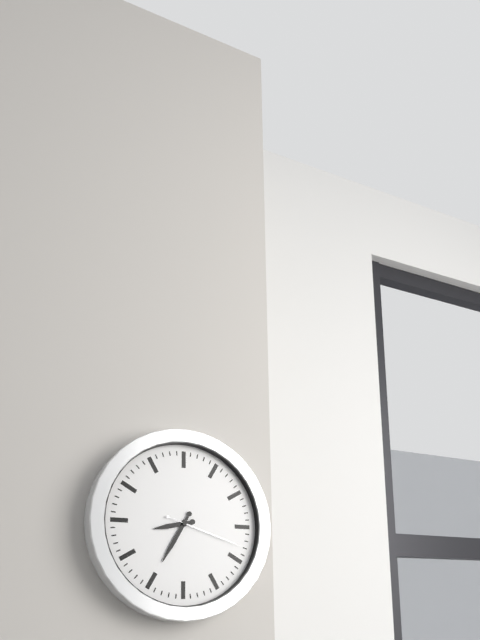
8:35:18
